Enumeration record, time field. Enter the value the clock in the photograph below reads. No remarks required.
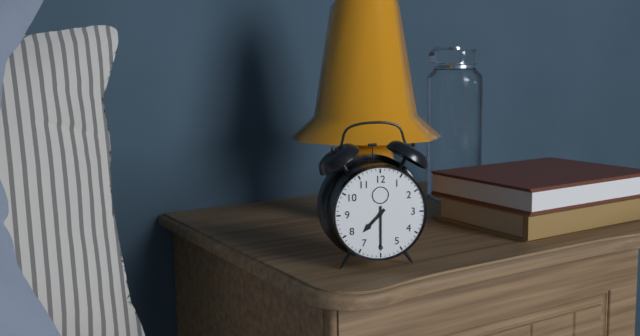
7:30
